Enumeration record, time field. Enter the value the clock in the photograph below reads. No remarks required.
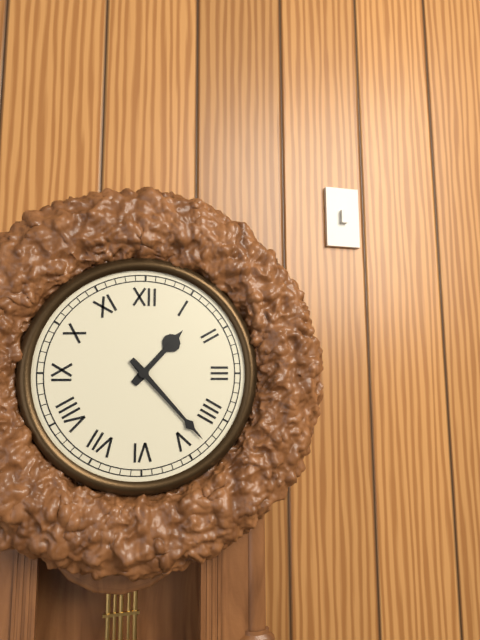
1:23
